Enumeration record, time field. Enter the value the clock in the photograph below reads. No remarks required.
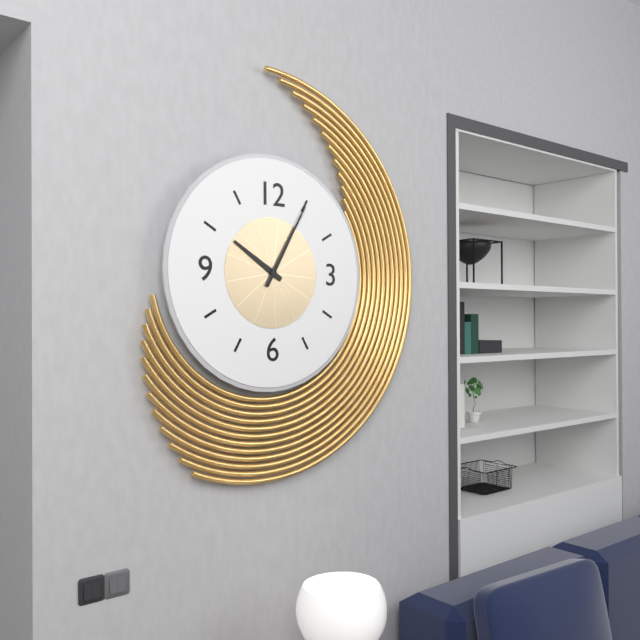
10:05
